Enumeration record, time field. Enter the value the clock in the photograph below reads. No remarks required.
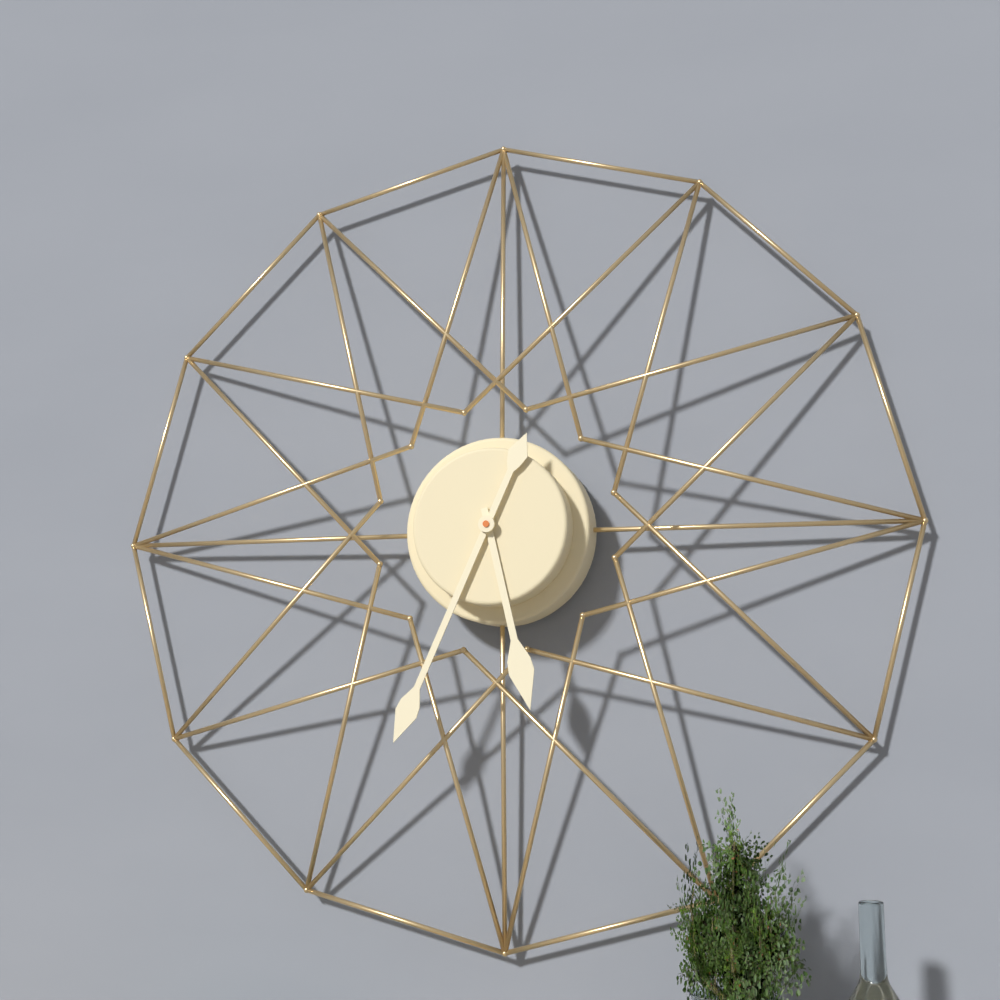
5:34
